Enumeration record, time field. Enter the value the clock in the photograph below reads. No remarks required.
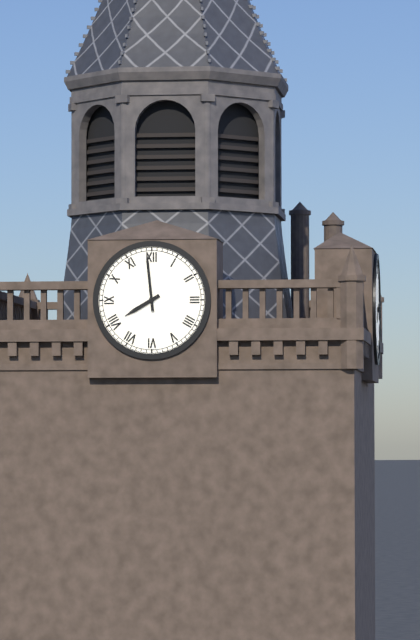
7:59
